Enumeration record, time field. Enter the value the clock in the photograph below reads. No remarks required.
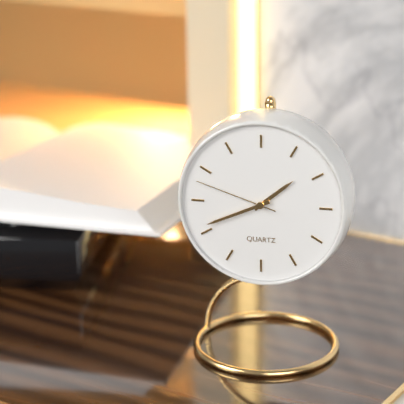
1:41:48
